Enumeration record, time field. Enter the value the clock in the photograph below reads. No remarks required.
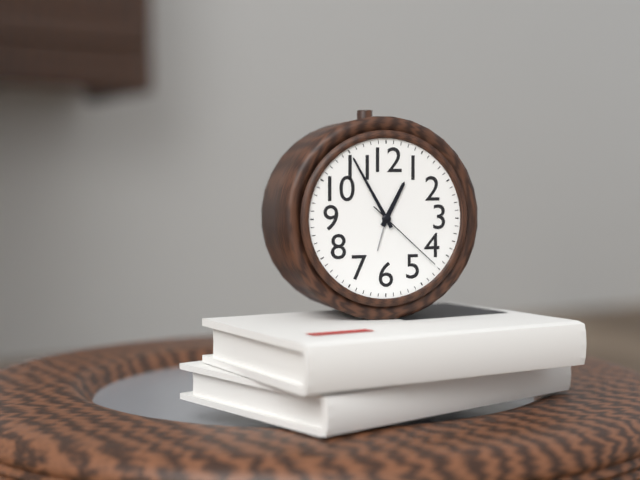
12:55:22
